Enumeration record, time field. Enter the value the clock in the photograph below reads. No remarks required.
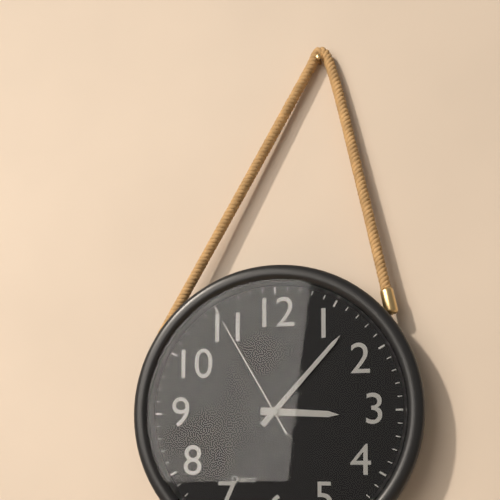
3:07:55
